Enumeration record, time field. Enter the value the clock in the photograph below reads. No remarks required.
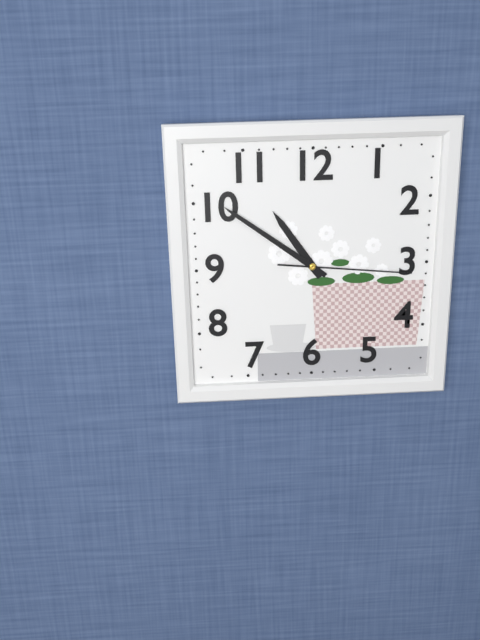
10:51:16
